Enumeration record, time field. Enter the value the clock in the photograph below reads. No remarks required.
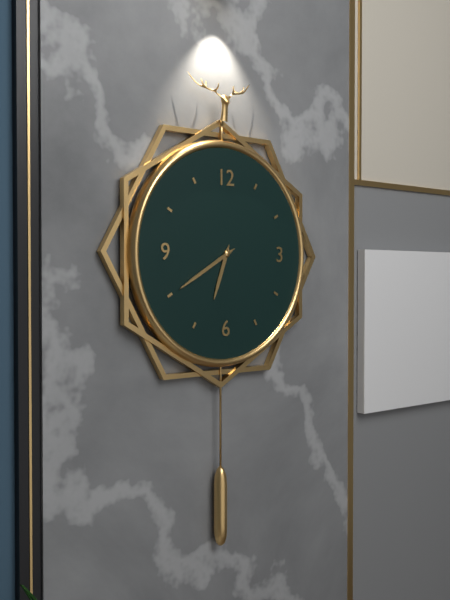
6:40
